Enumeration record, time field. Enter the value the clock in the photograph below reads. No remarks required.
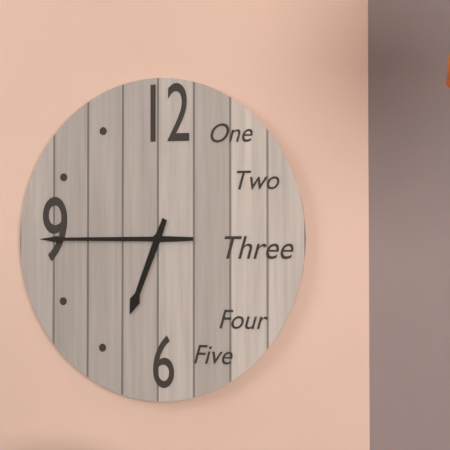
6:45
